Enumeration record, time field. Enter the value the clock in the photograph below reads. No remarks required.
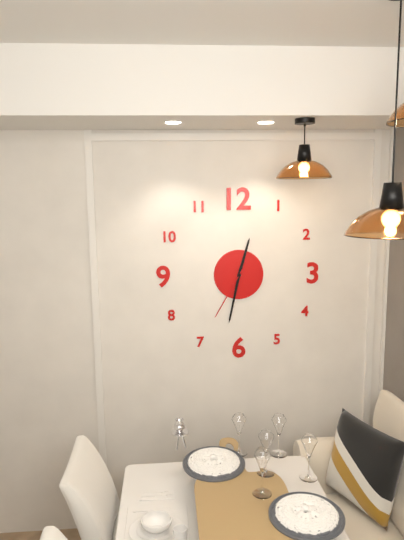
12:32:35
